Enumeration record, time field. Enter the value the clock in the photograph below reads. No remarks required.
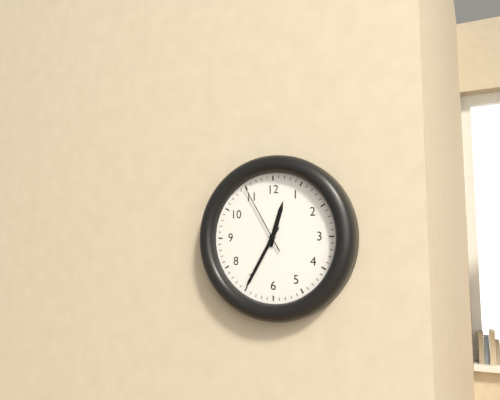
12:35:55
